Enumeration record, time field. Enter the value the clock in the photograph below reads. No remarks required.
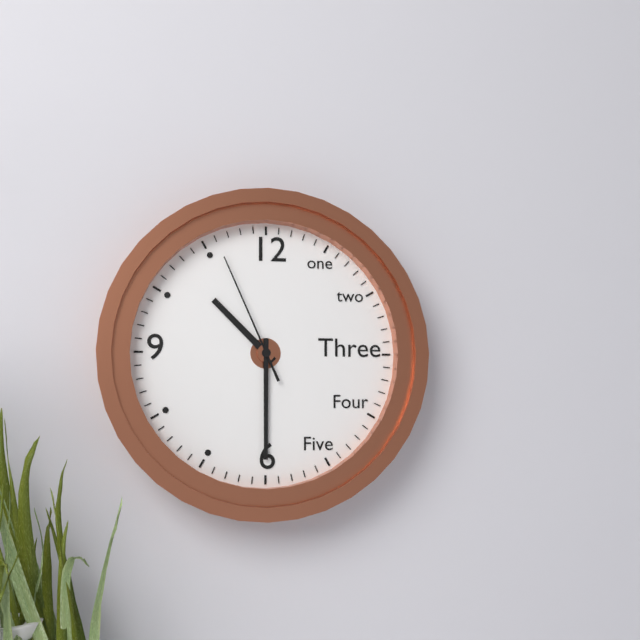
10:30:56
